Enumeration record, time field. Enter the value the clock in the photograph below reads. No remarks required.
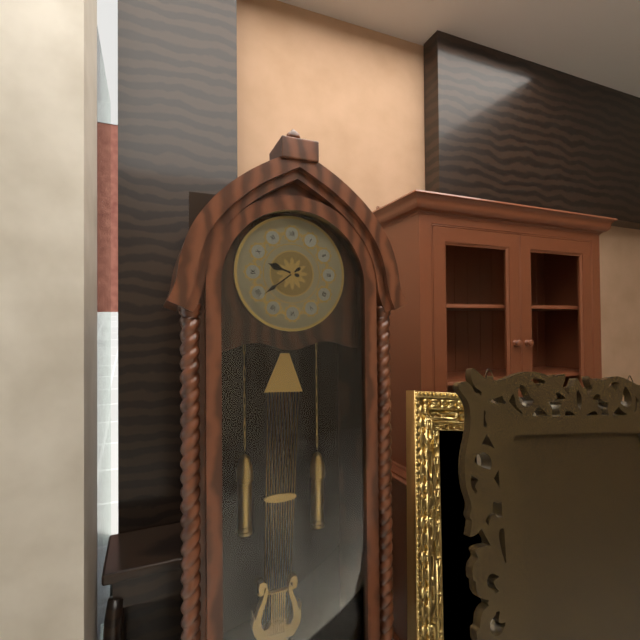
9:39
